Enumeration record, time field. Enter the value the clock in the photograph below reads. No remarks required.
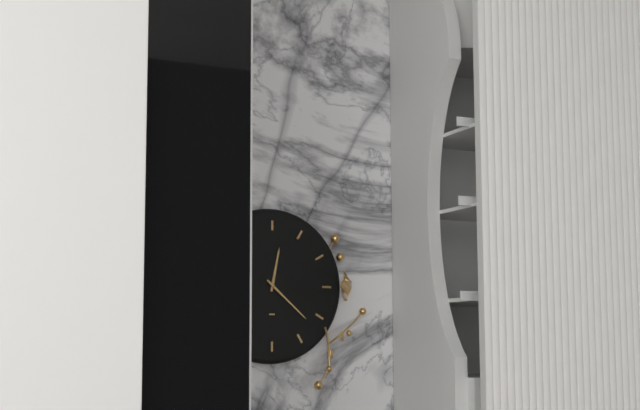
12:22
